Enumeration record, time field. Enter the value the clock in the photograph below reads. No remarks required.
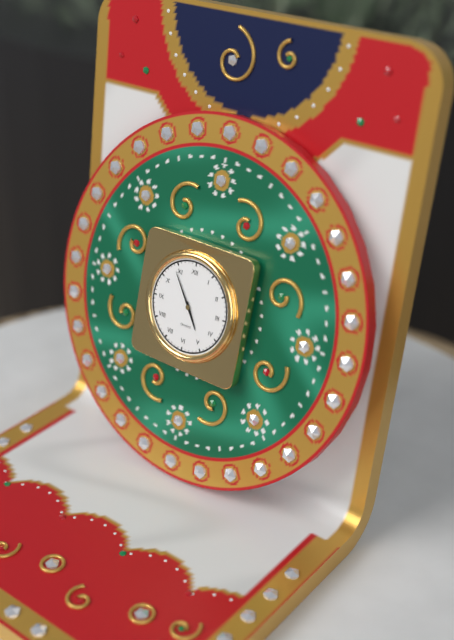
4:54
